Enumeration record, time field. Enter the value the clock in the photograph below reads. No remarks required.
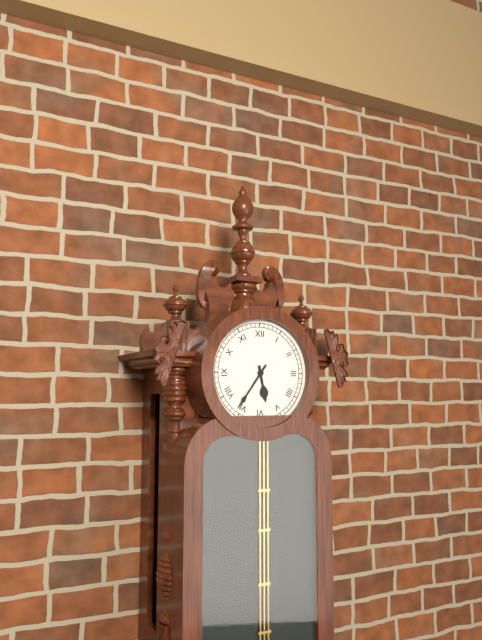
5:36
